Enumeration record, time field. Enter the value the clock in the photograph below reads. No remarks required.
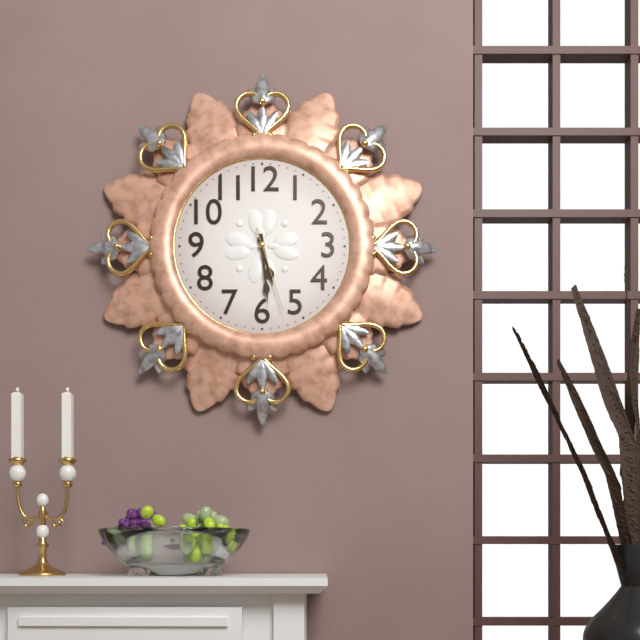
5:29:27
